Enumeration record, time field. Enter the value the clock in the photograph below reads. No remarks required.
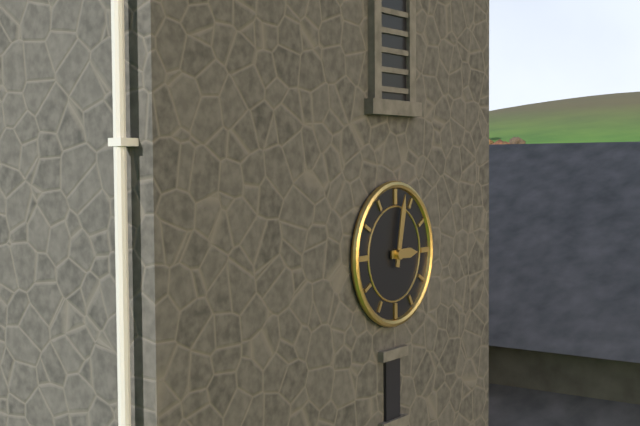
3:02
